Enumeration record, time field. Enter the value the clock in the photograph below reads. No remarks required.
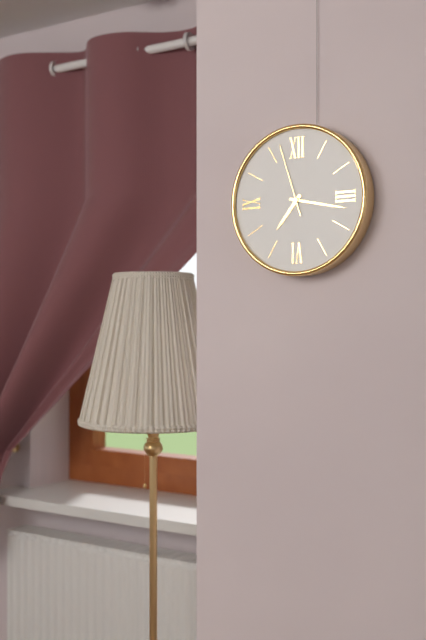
7:17:57
